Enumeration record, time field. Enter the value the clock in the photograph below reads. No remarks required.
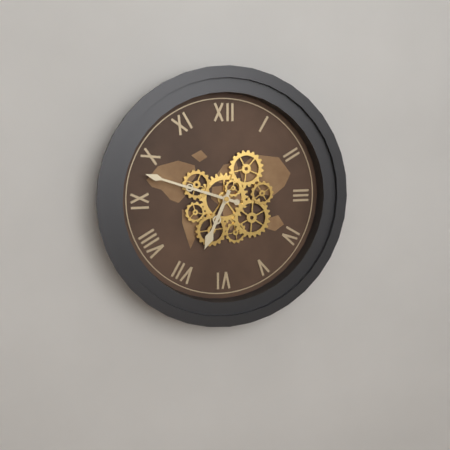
6:48
